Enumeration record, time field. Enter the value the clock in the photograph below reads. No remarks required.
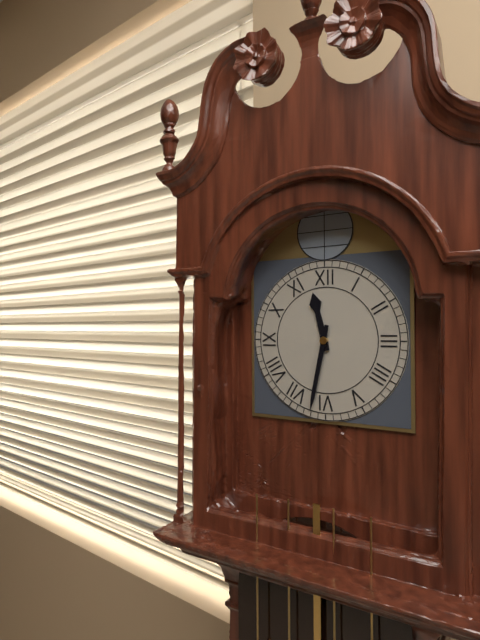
11:32
